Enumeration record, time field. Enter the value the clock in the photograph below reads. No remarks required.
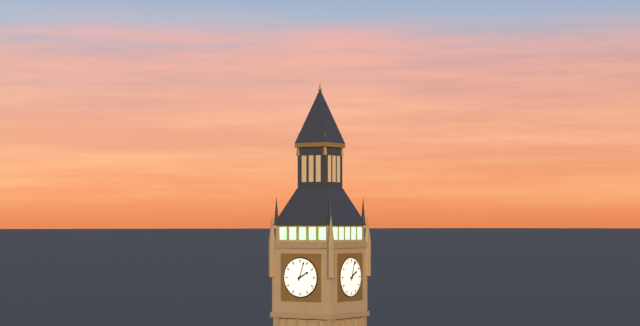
2:03
